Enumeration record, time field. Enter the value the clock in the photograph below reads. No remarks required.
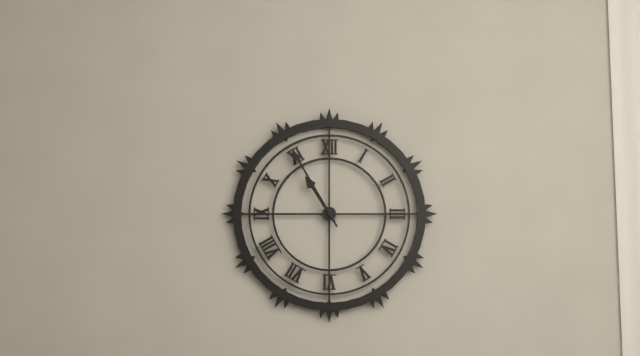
10:55
